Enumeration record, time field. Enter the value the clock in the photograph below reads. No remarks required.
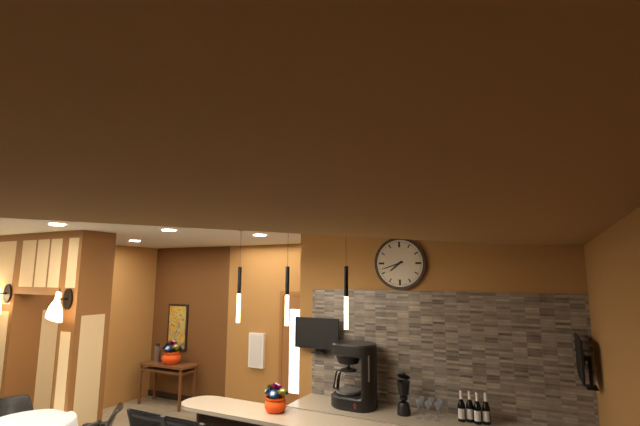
7:42
